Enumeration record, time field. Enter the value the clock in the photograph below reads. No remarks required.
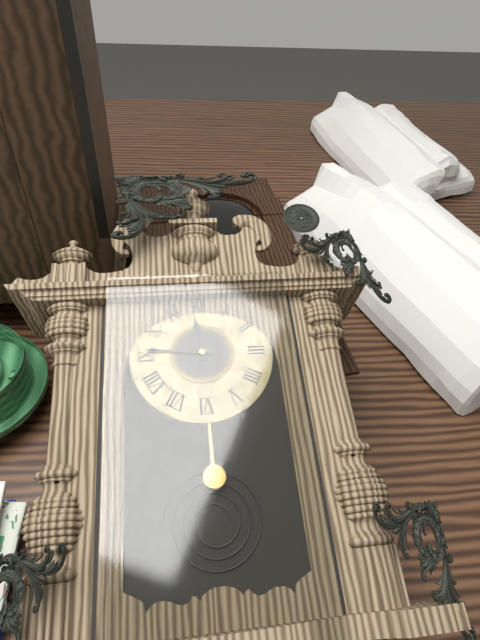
11:46
